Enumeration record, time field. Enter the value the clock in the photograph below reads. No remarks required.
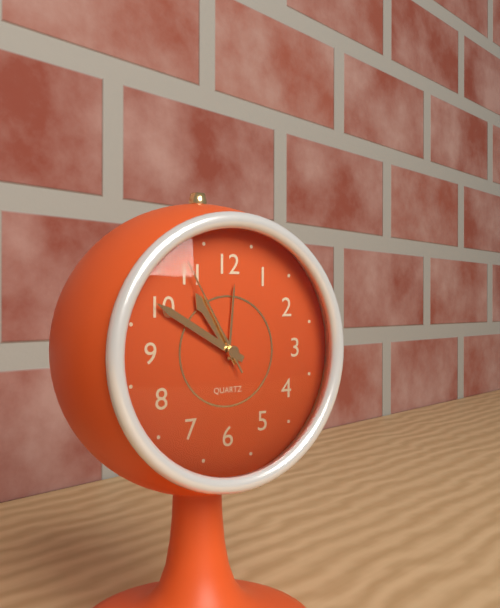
10:50:55
